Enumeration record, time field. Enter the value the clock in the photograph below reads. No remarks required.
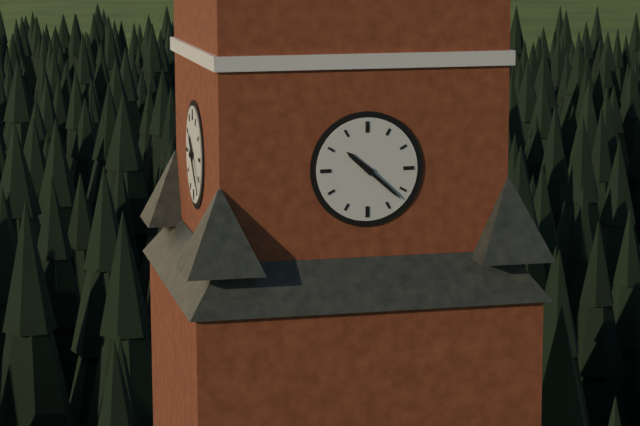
10:22
